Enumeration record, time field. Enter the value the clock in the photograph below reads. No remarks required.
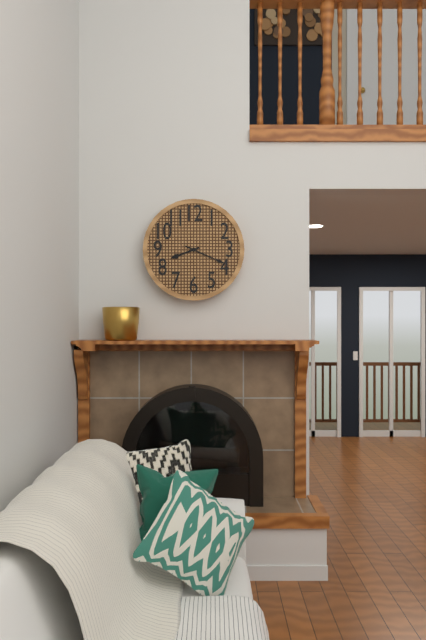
8:19
